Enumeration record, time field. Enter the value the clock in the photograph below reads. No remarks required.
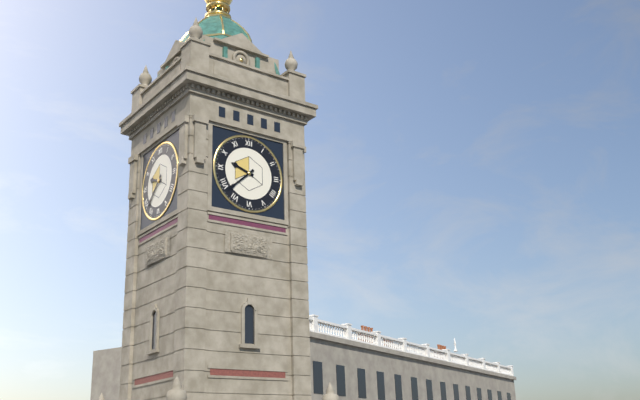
9:38
